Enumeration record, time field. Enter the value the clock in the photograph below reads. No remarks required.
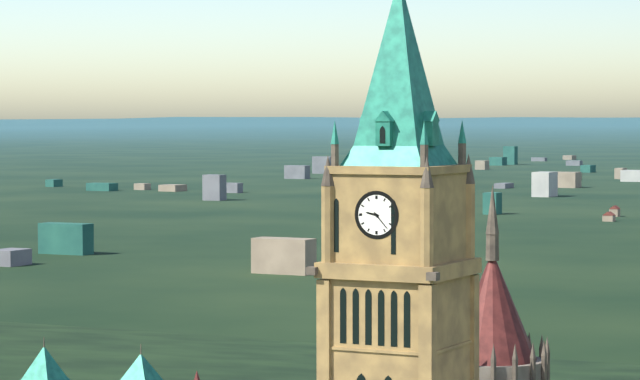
9:23
